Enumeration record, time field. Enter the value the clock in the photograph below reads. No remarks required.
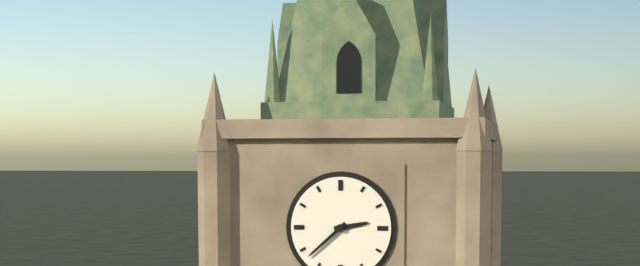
2:38
